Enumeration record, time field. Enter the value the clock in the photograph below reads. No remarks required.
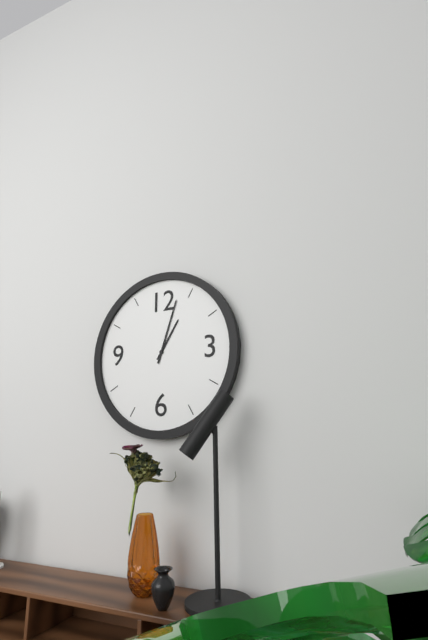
1:03
